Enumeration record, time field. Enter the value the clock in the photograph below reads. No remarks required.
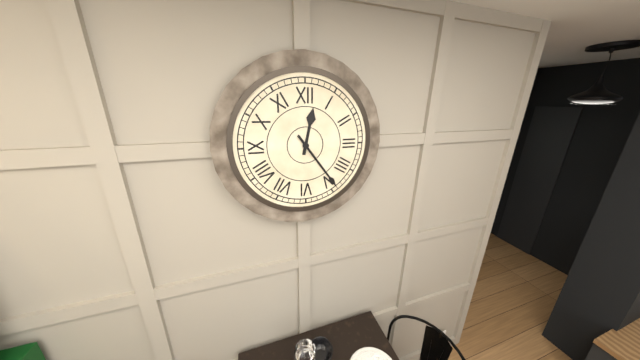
12:24
